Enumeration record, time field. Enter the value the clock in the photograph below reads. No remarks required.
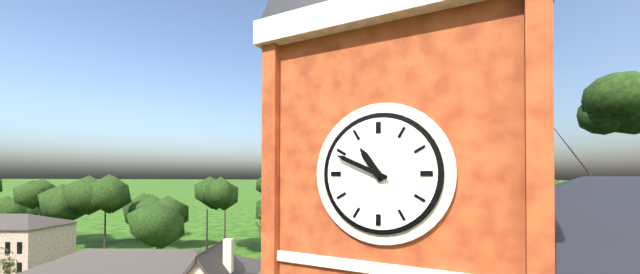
10:49
